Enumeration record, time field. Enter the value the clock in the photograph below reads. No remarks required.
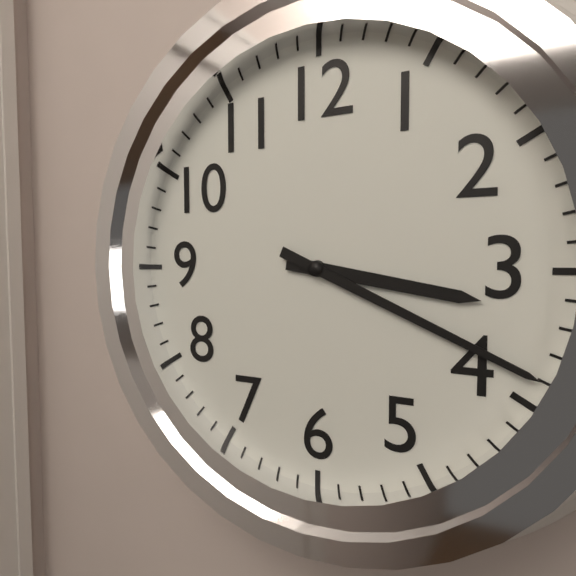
3:19
